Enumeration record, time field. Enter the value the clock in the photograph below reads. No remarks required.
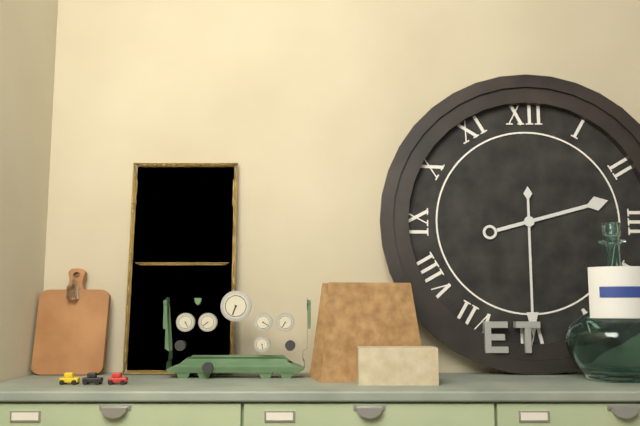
2:30
